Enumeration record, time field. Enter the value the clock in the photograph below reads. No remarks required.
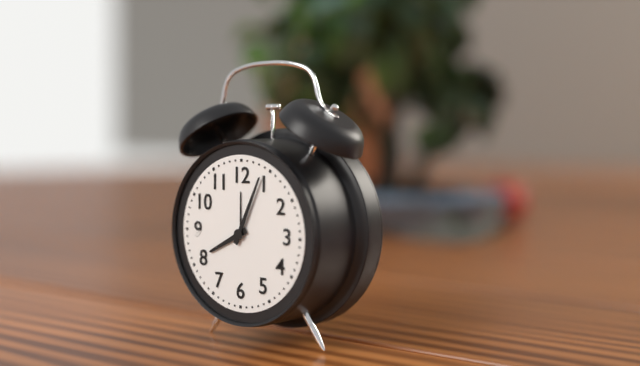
8:04
